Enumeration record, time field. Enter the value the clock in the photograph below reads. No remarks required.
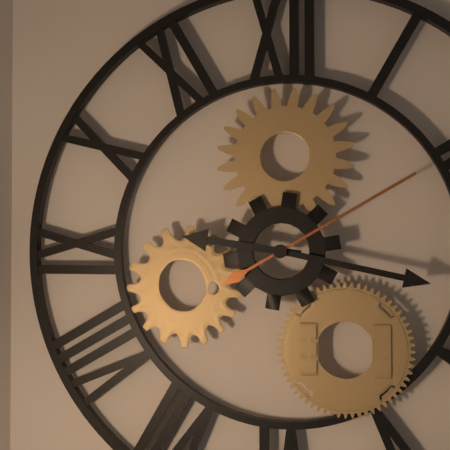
9:17:10
